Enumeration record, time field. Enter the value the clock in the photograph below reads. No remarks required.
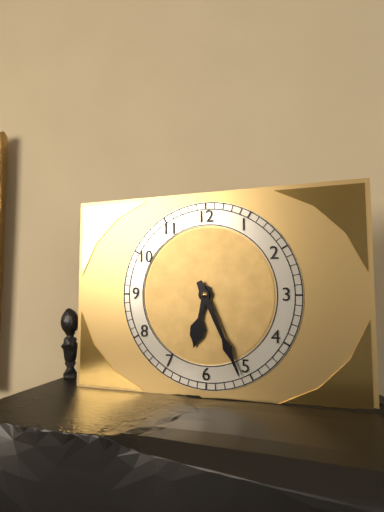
6:26
